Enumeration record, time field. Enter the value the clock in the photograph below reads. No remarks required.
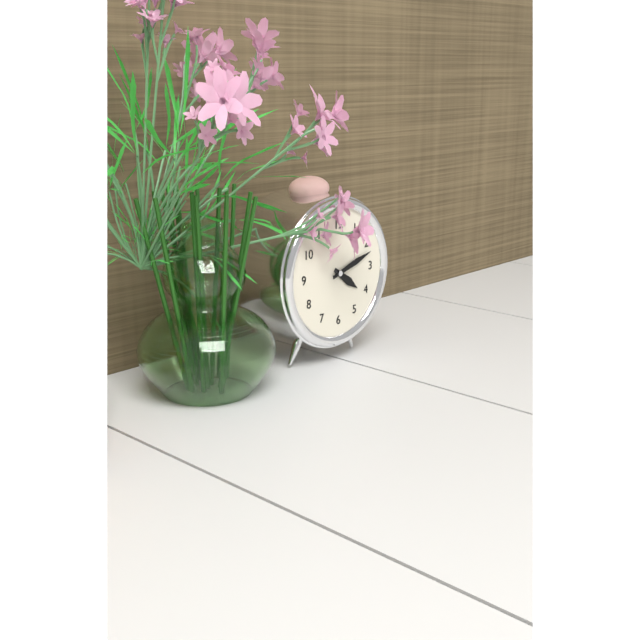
4:12
